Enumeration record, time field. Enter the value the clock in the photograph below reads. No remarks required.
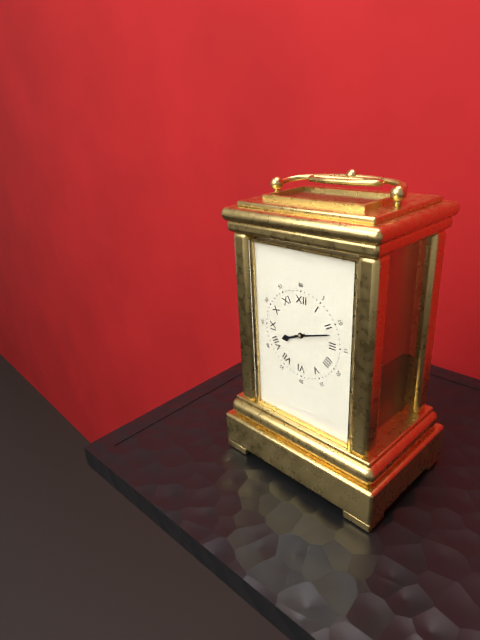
8:12
